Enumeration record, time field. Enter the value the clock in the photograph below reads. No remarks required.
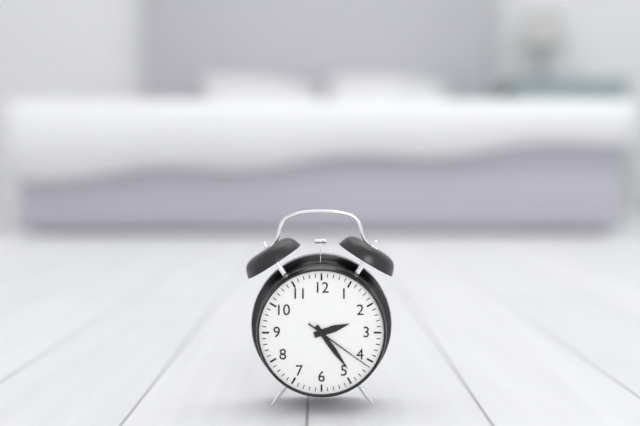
2:24:21
